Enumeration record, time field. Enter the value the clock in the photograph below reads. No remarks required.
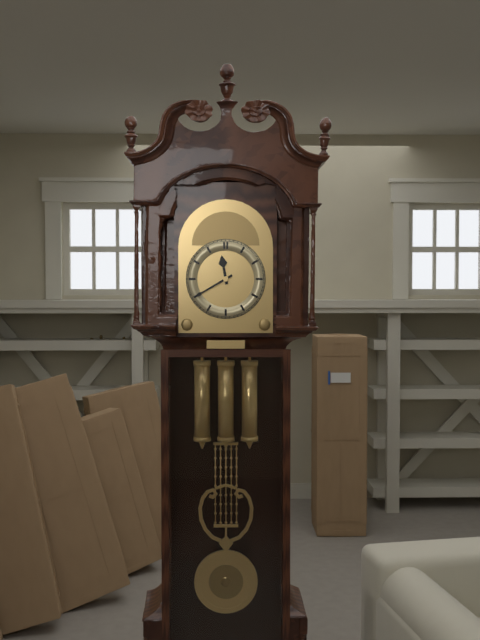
11:40
